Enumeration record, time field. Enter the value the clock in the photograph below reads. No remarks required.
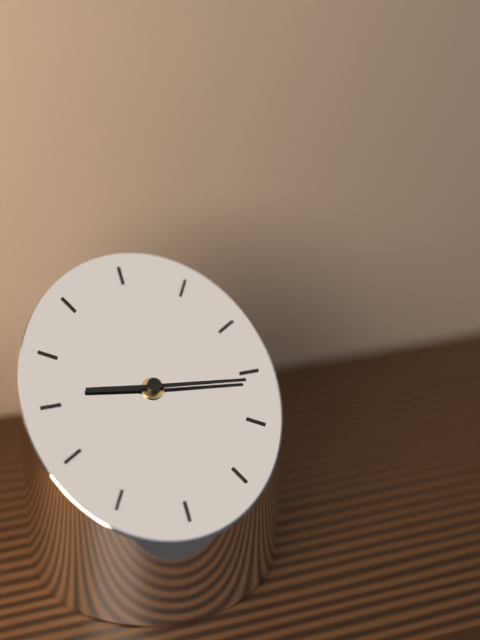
9:16
